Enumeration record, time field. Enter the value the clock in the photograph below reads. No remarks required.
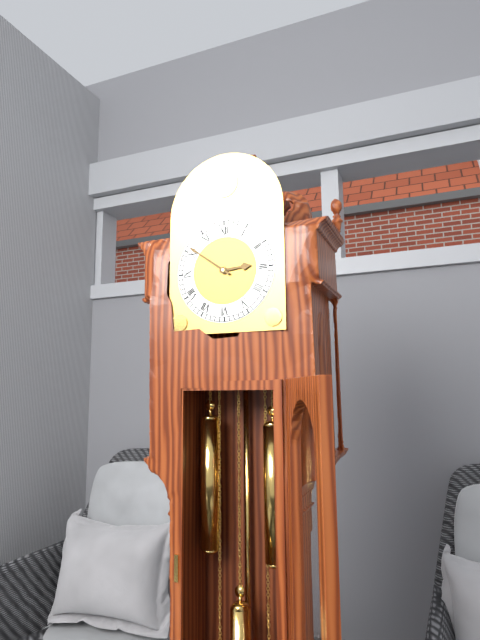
2:51
